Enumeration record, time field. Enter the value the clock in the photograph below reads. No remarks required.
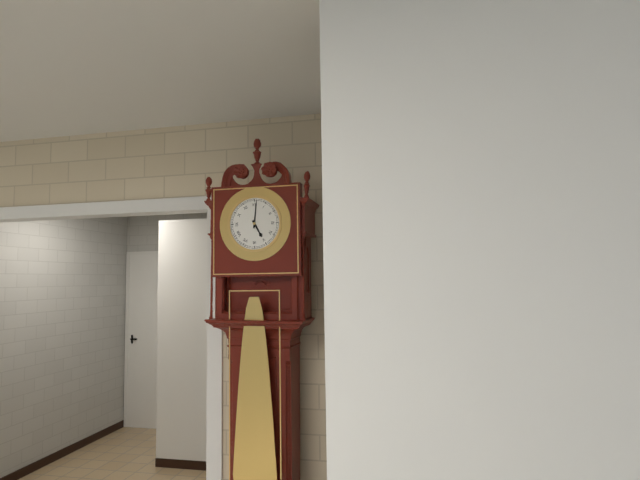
5:01
